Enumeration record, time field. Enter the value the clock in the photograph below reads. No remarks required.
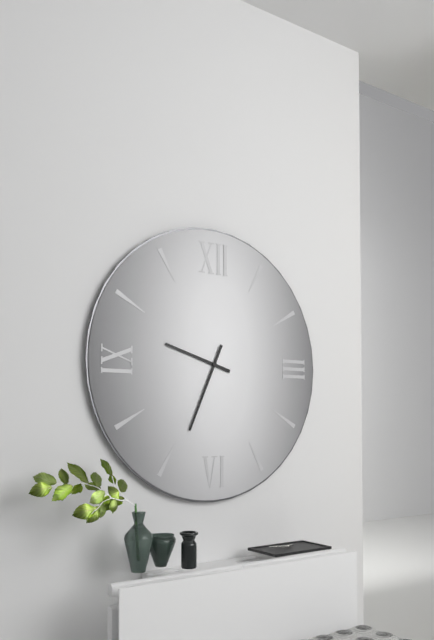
9:34
